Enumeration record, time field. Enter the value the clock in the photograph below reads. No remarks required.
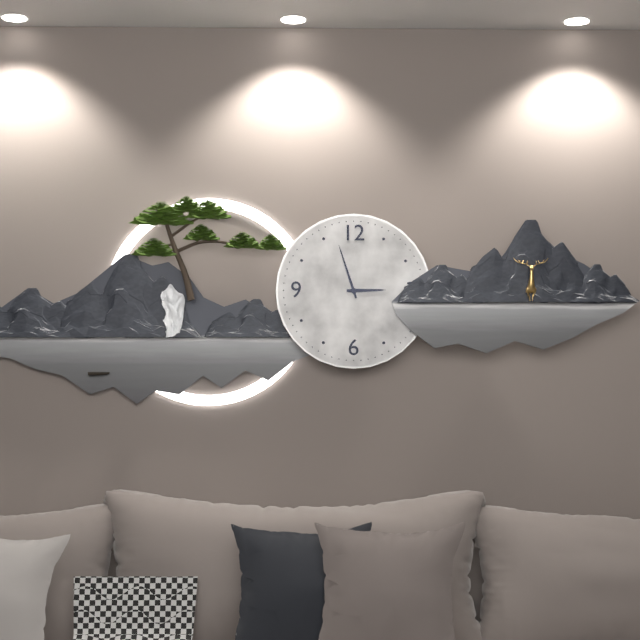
2:57
